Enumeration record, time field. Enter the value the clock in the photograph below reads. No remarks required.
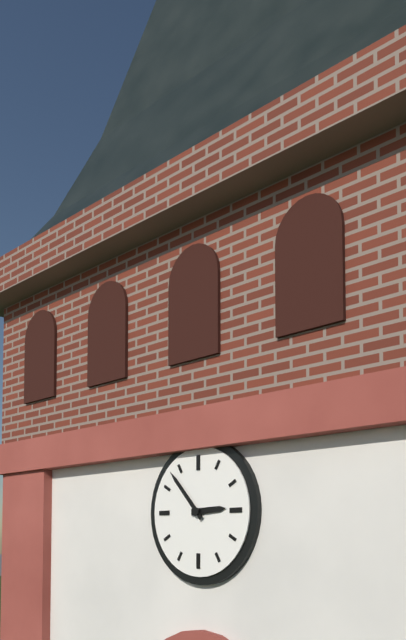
2:53
